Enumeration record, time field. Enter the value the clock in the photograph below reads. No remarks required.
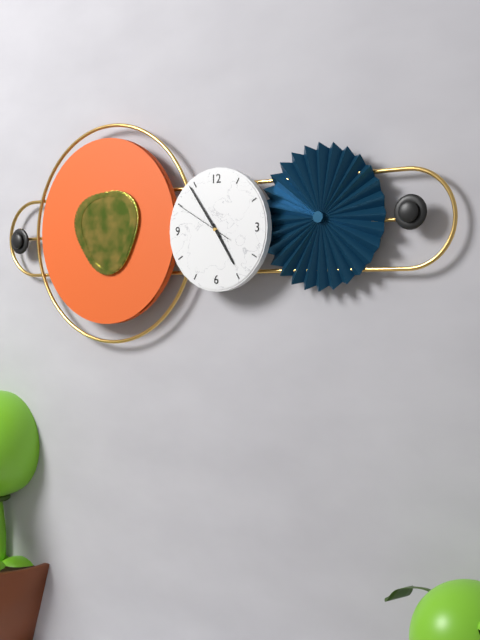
4:54:50
